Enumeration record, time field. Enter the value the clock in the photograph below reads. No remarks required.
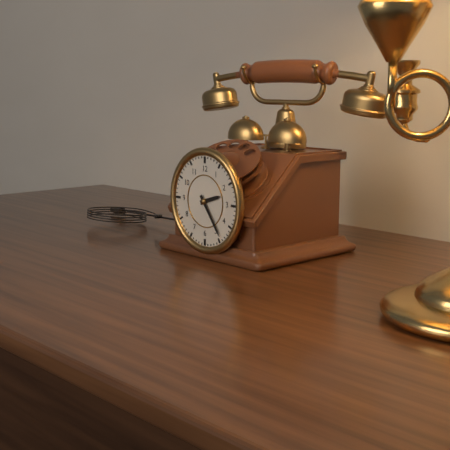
2:24
